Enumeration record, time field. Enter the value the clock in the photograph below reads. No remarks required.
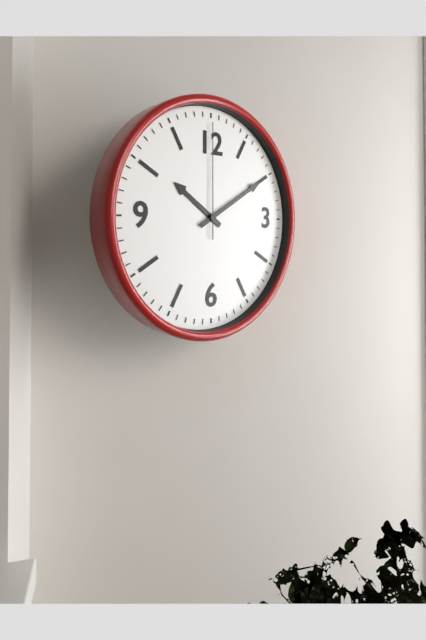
10:10:00
